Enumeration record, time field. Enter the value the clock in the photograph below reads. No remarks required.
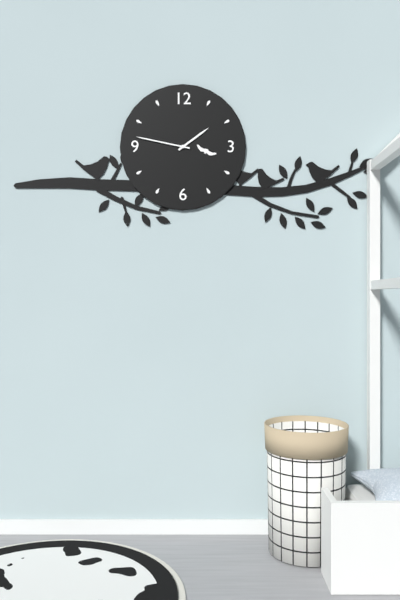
1:47
